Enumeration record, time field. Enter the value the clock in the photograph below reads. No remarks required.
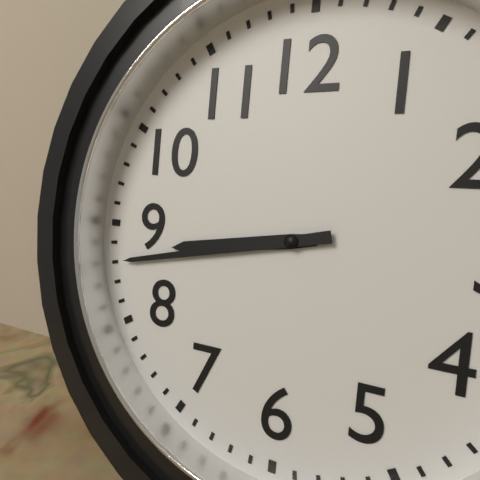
8:43
